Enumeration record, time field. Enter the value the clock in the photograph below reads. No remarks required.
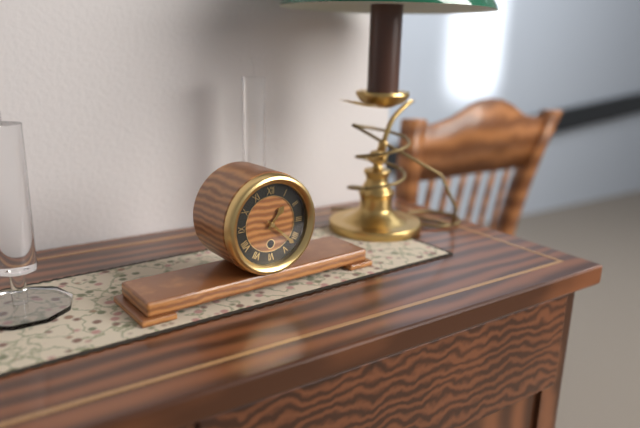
1:22
